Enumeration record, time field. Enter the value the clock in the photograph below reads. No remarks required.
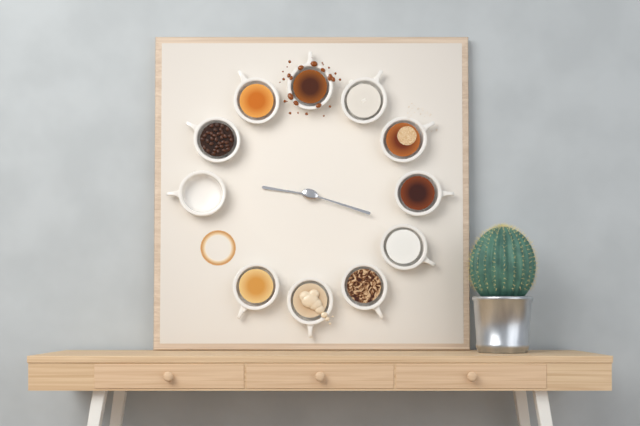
9:18
